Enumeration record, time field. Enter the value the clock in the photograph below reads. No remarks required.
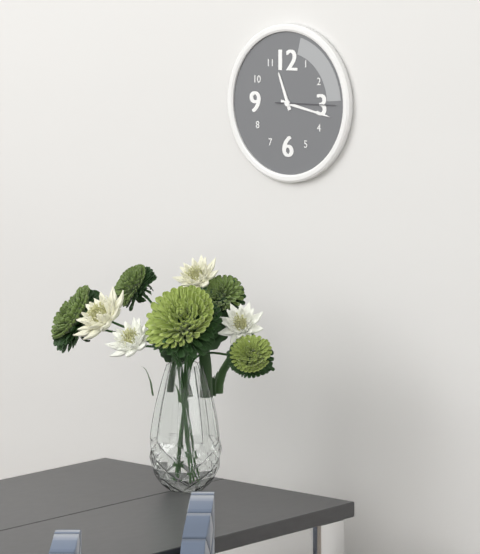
11:17:15
